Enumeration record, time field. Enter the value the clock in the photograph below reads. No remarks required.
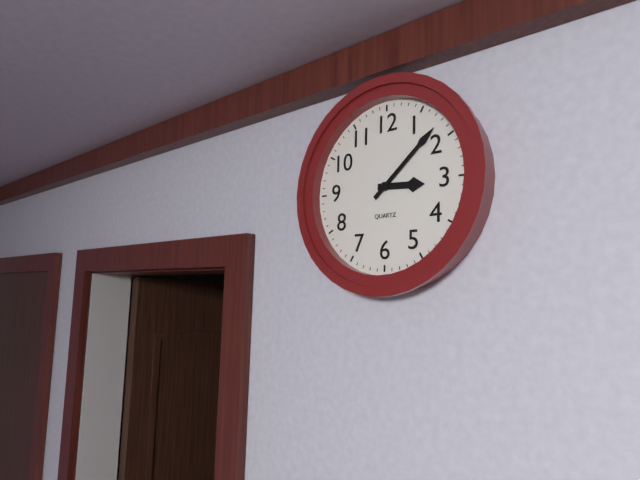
3:08
